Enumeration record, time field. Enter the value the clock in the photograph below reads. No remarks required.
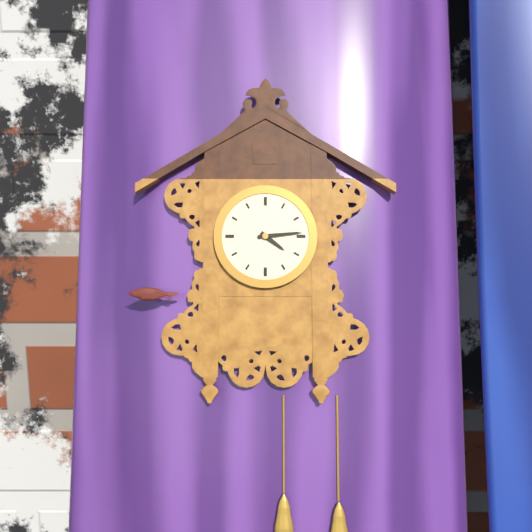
4:14
